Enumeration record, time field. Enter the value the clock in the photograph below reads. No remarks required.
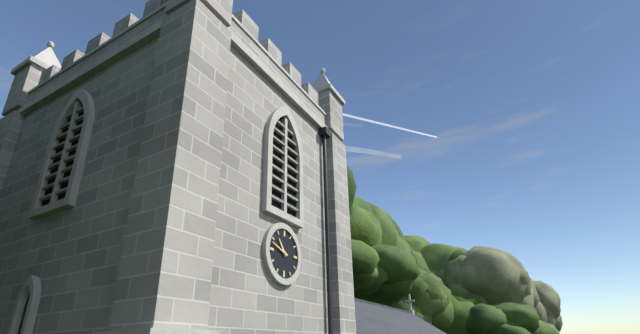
10:48
